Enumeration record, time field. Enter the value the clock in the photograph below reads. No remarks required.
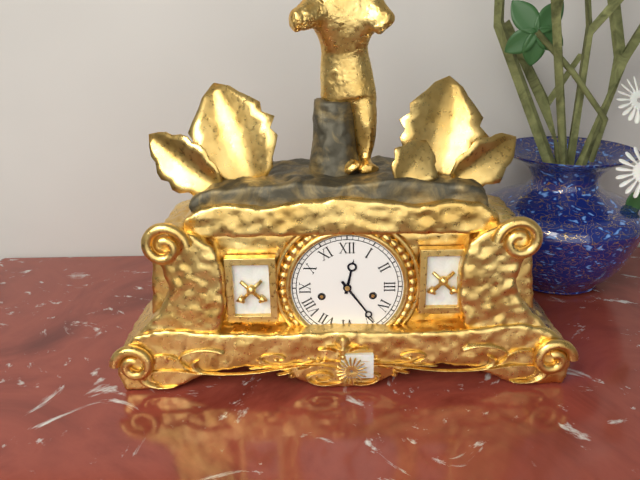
12:24
